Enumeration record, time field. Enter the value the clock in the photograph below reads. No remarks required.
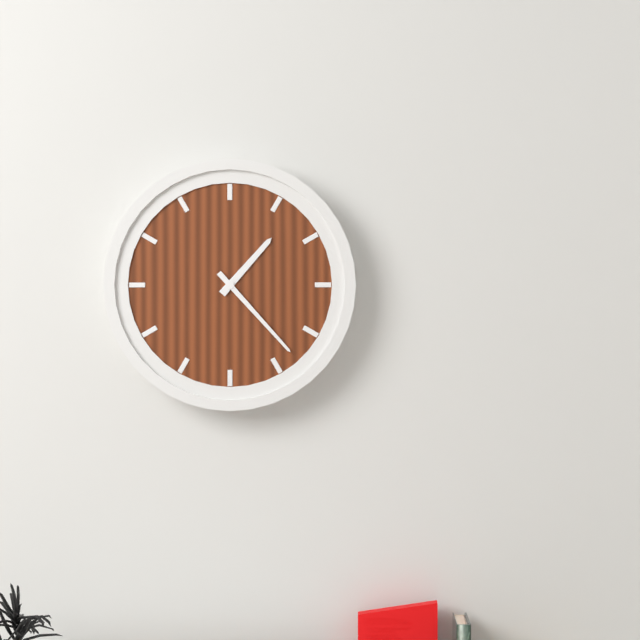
1:23
